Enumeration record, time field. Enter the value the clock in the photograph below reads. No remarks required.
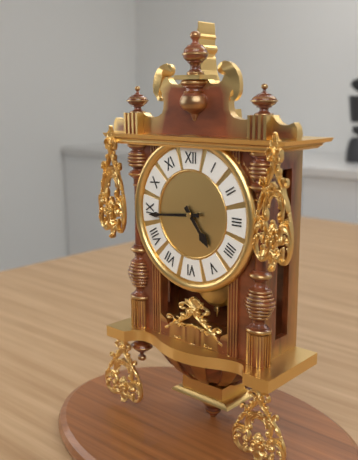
4:44
